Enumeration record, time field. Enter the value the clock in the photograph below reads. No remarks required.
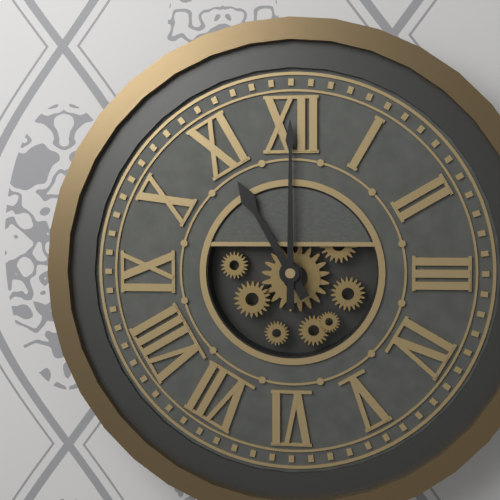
11:00
